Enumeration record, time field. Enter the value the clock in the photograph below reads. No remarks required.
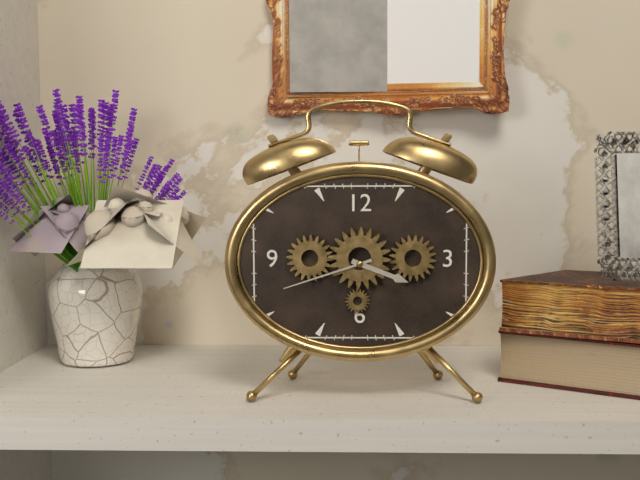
3:42
